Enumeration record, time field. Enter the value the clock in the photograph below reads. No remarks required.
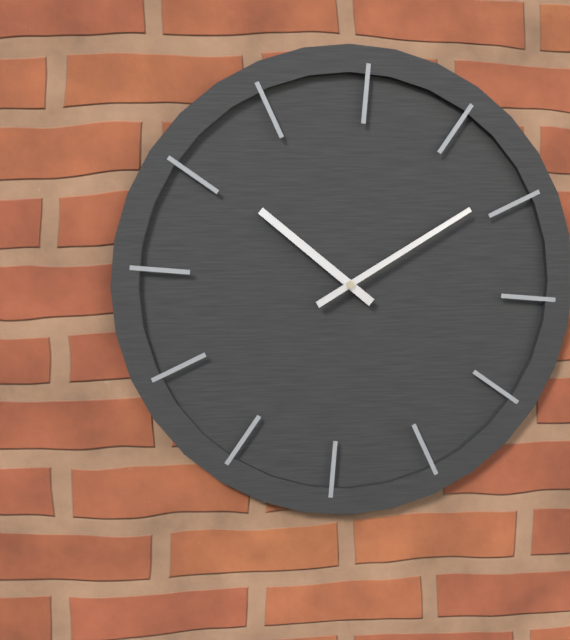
10:09
